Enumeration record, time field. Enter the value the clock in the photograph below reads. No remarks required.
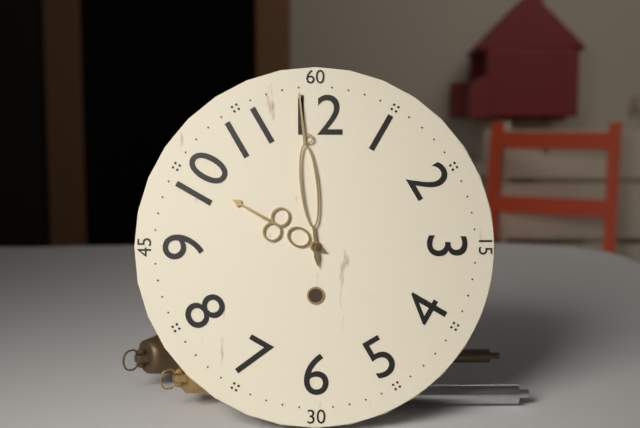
9:59
